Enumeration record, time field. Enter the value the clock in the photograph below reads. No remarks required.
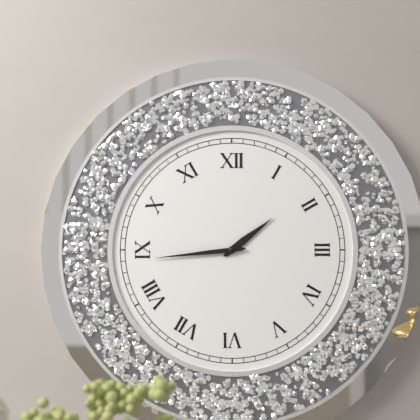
1:44
